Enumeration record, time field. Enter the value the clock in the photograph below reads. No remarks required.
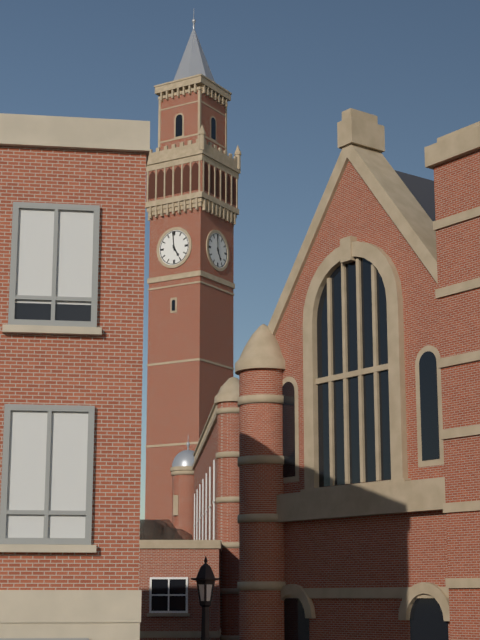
4:59
